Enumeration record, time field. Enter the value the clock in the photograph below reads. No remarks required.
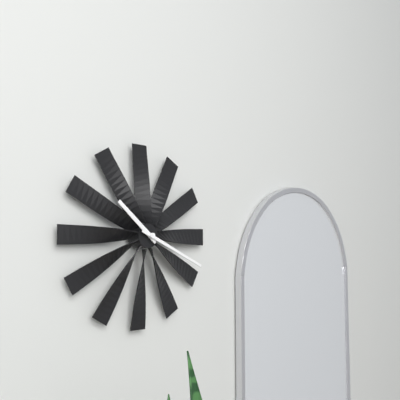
10:19
